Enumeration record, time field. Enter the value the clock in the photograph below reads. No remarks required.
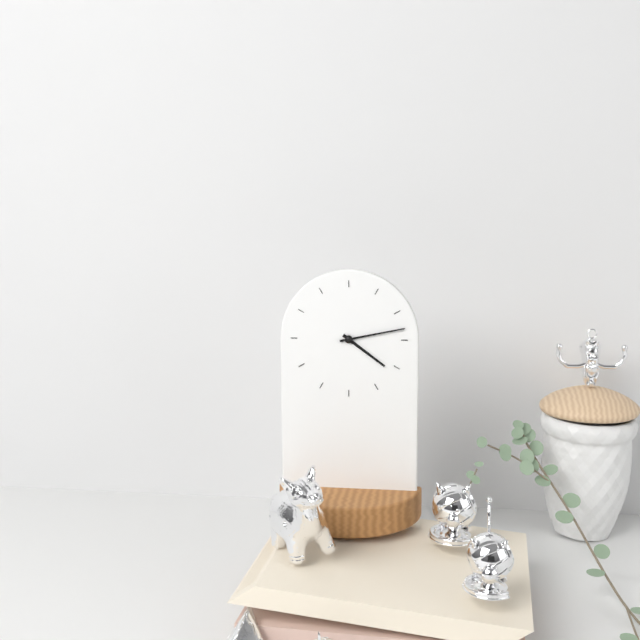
4:13
